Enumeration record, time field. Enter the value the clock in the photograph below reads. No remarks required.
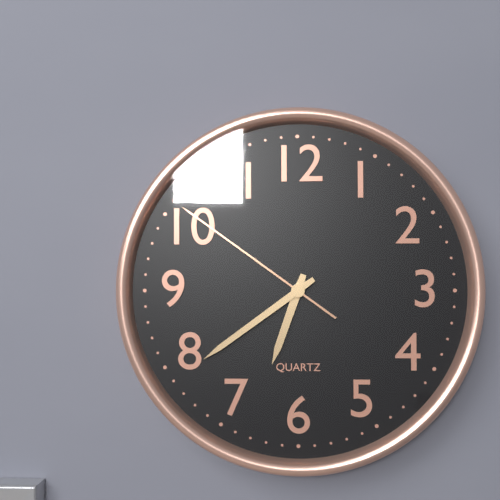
6:39:51
